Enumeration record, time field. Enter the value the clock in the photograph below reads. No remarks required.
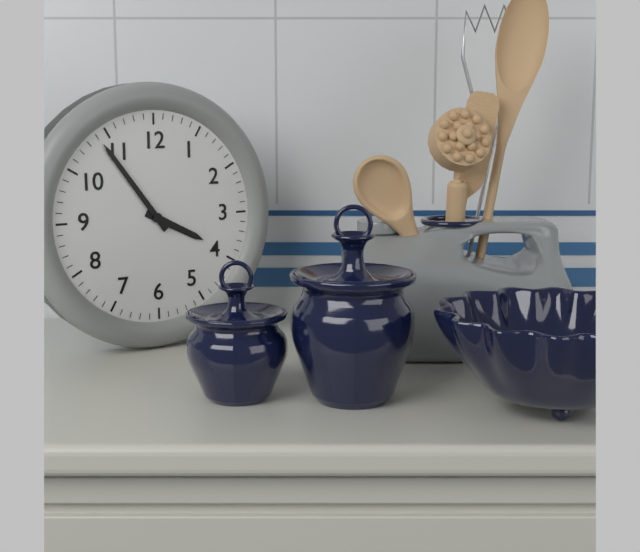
3:54
